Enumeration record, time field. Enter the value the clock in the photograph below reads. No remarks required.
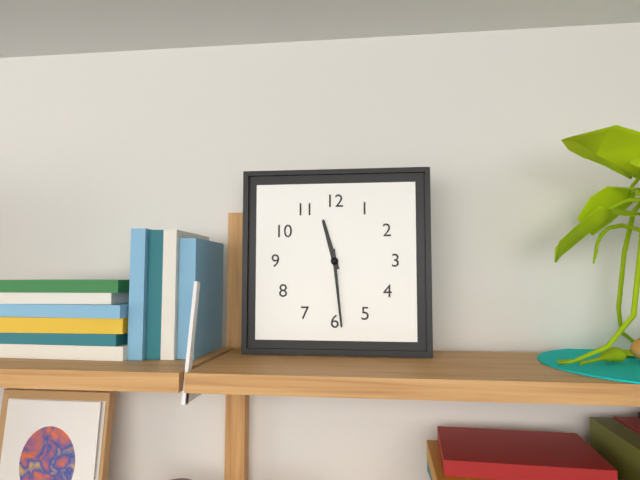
11:29
